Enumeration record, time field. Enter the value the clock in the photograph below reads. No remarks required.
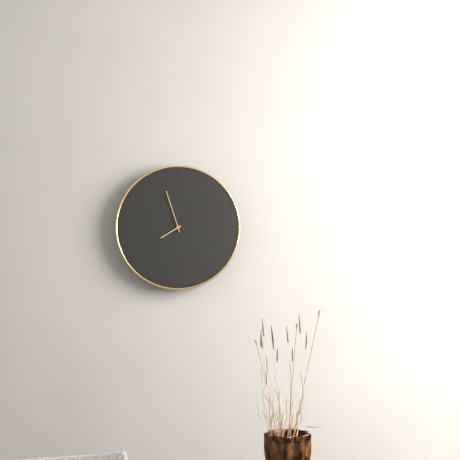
7:57
